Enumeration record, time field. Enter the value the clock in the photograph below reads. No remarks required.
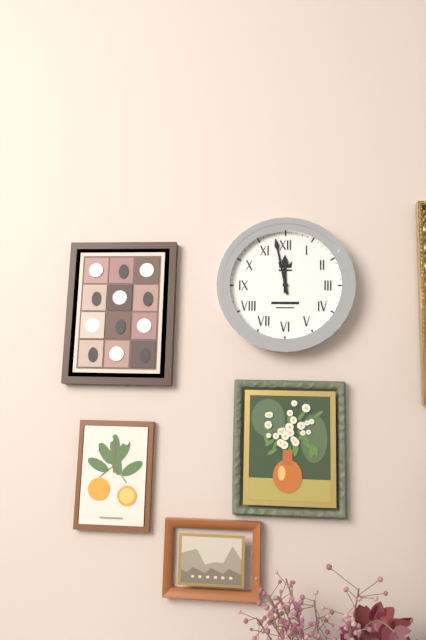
11:58
